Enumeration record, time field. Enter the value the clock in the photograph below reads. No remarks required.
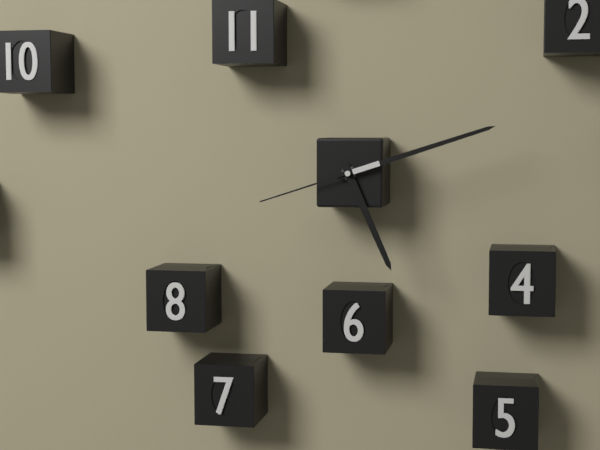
5:12:42
